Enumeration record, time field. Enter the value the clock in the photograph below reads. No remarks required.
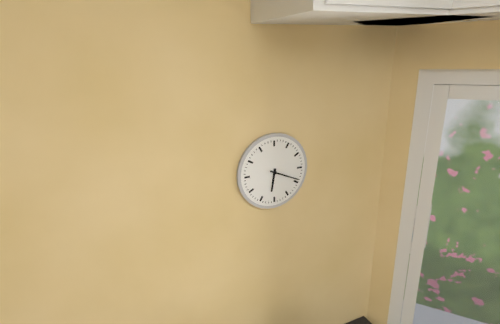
6:19
